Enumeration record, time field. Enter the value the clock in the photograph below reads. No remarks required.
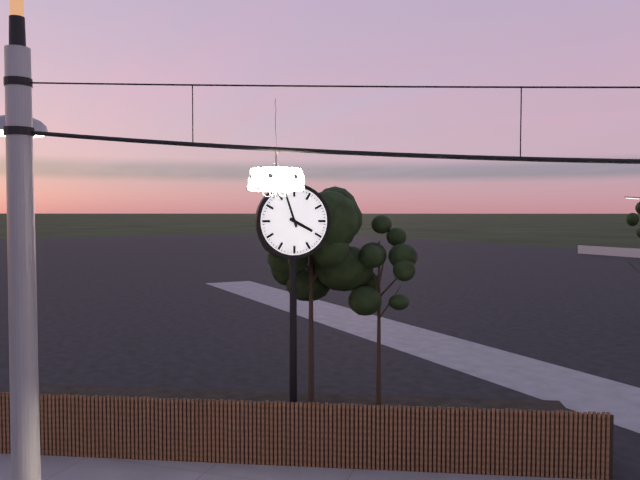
3:57
